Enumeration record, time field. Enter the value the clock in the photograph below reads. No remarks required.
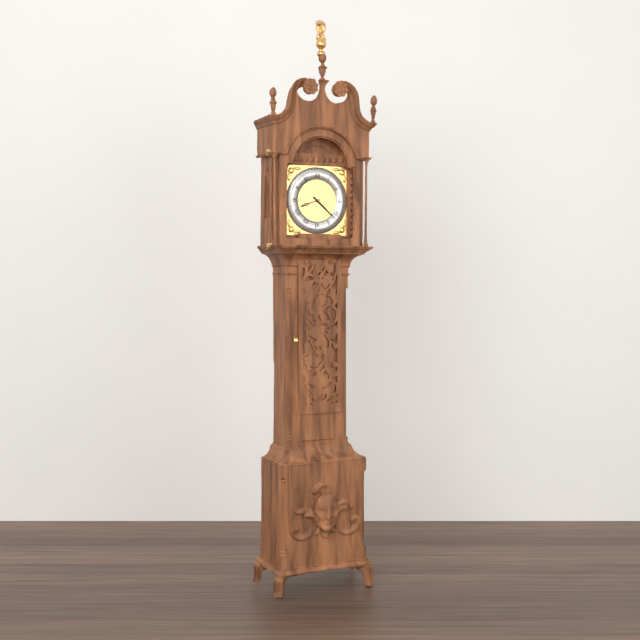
8:22
